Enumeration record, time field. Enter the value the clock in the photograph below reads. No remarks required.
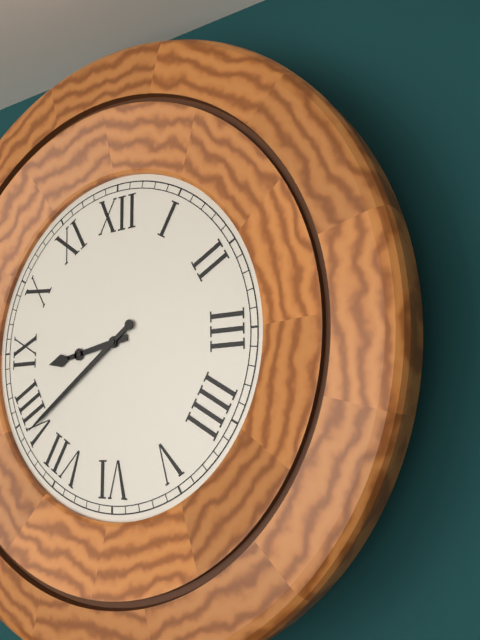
8:39
